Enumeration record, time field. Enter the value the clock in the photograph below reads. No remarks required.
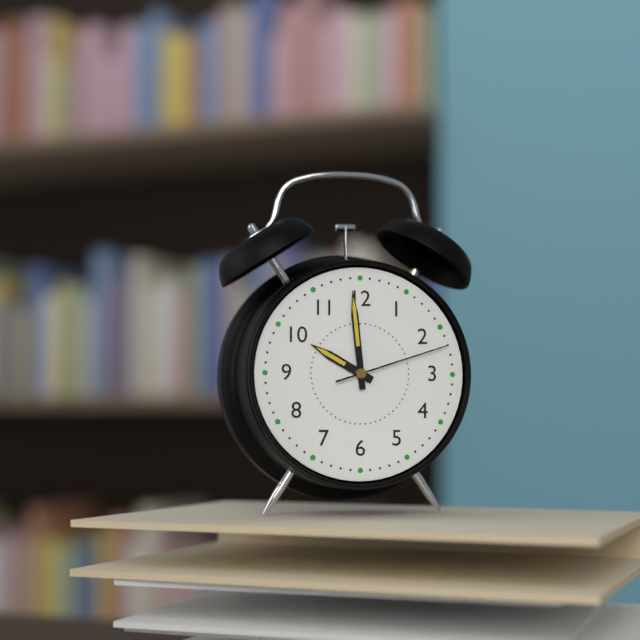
9:59:12
